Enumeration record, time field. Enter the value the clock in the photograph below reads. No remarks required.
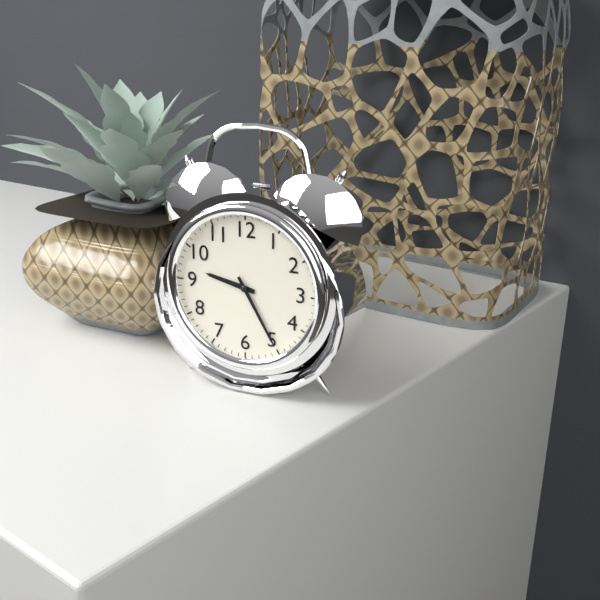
9:25
